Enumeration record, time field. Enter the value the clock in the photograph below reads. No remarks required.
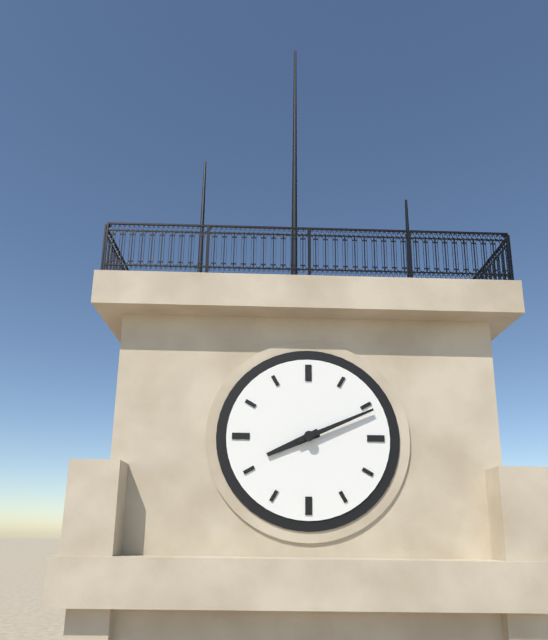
8:11
